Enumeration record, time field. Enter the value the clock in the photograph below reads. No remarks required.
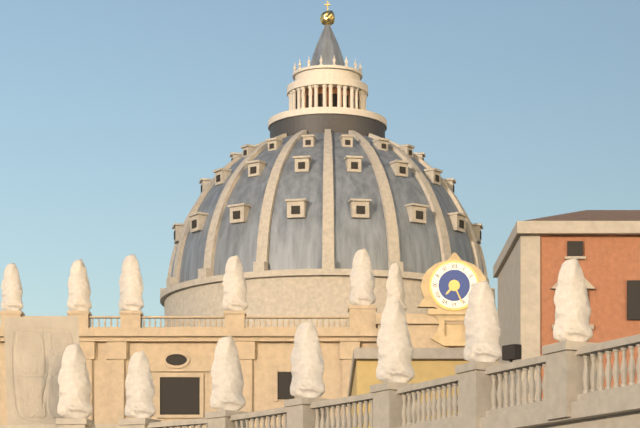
7:26
